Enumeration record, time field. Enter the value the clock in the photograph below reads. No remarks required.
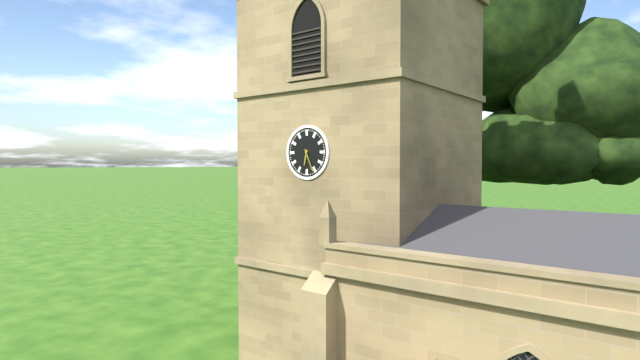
6:26
